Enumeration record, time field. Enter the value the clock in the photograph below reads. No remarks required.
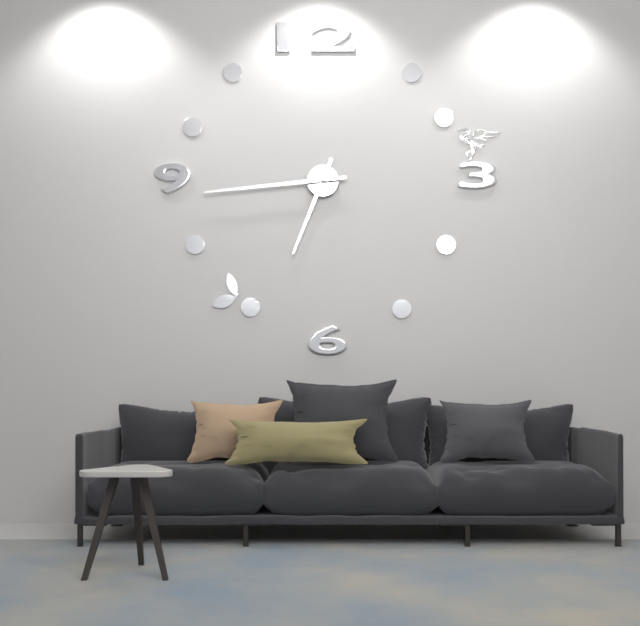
6:44
